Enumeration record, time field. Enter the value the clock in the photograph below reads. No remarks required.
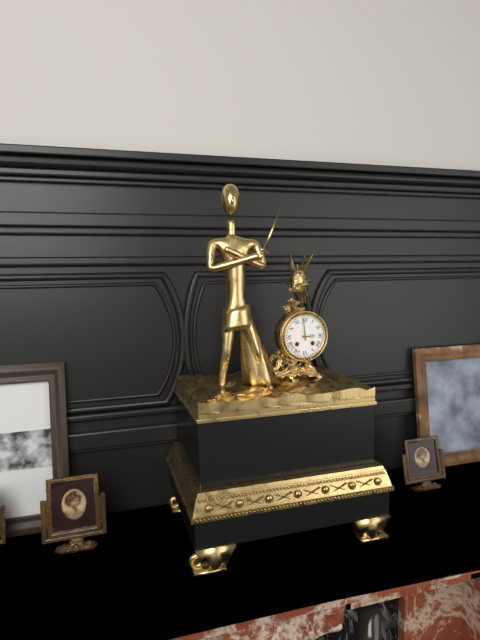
2:59
